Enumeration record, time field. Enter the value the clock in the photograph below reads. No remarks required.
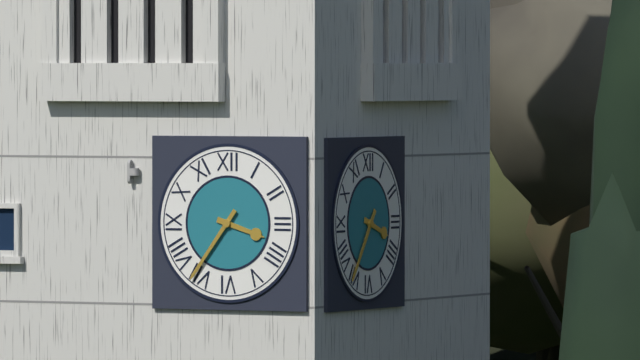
3:36
